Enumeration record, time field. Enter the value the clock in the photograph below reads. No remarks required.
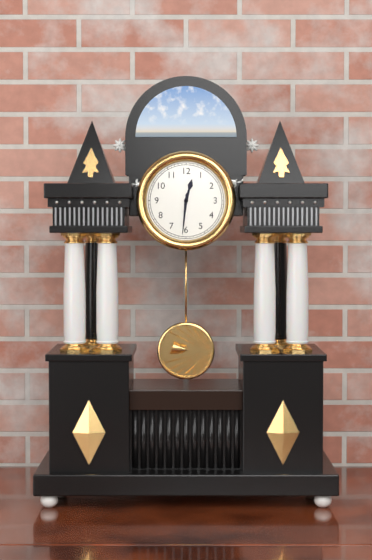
12:31
